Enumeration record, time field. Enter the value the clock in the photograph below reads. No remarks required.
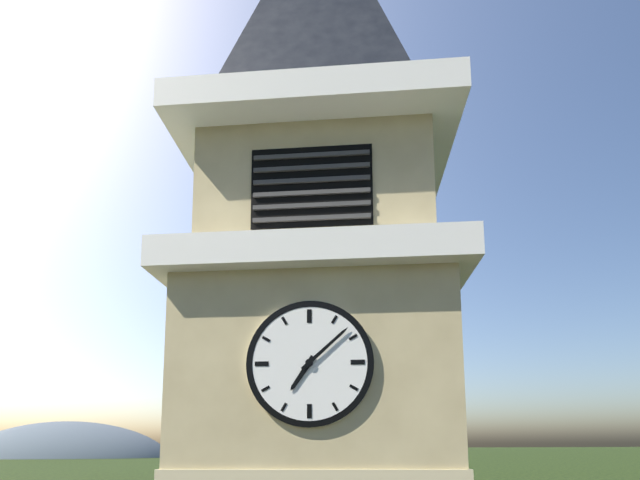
7:08
